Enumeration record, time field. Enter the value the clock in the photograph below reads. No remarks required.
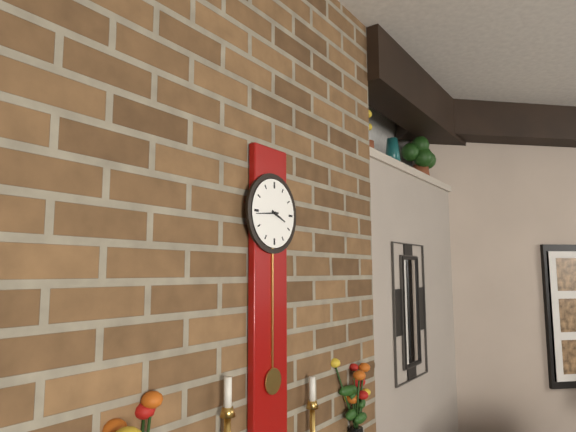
3:44
